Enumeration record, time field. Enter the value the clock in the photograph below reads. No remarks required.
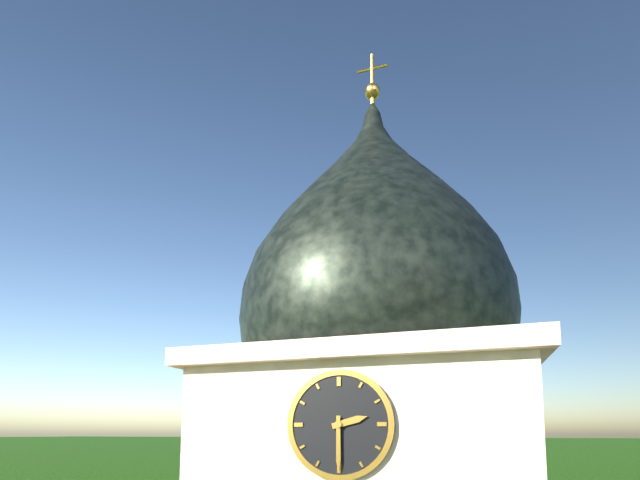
2:30
